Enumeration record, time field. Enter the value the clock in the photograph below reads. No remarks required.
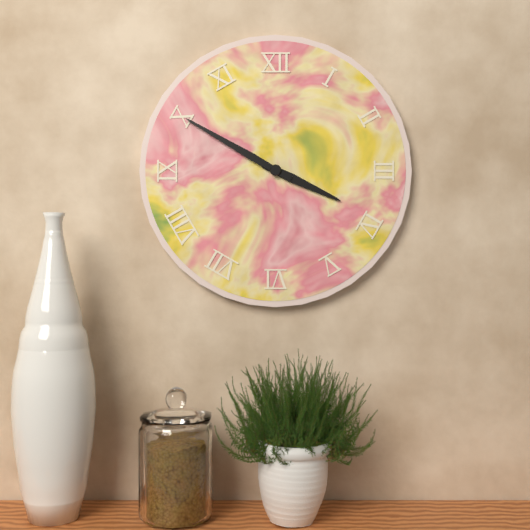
3:50
